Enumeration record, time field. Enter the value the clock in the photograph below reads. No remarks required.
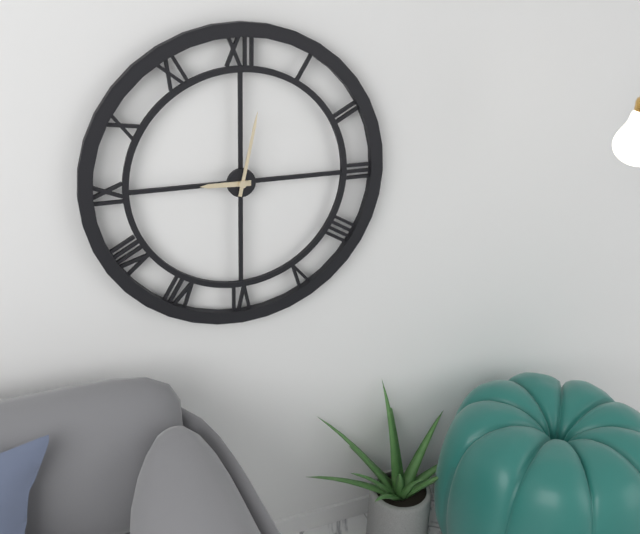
9:02
